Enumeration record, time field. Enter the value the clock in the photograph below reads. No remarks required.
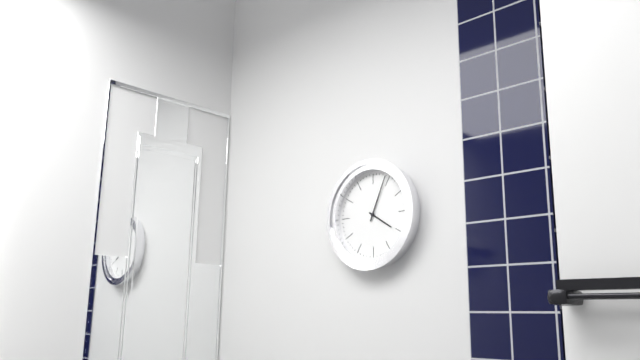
4:04
